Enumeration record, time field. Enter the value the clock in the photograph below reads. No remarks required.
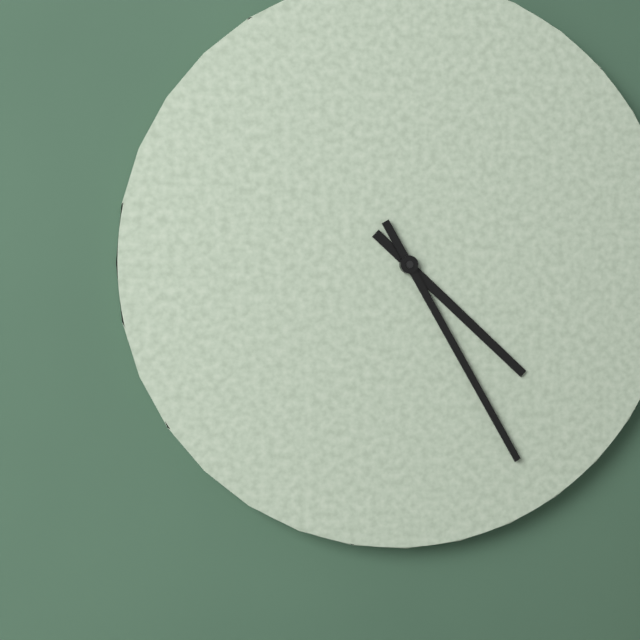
4:25
